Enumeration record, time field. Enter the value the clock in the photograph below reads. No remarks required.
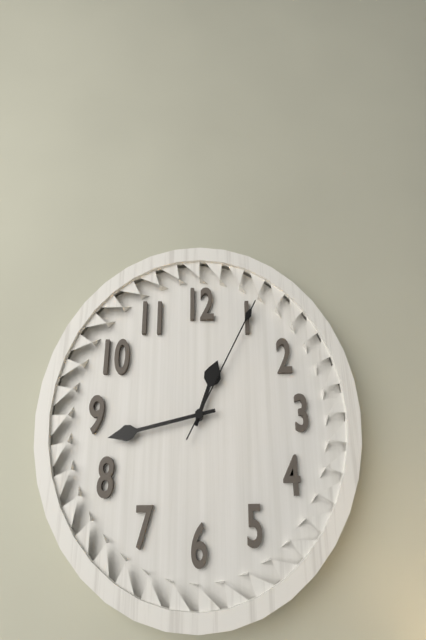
12:43:05
